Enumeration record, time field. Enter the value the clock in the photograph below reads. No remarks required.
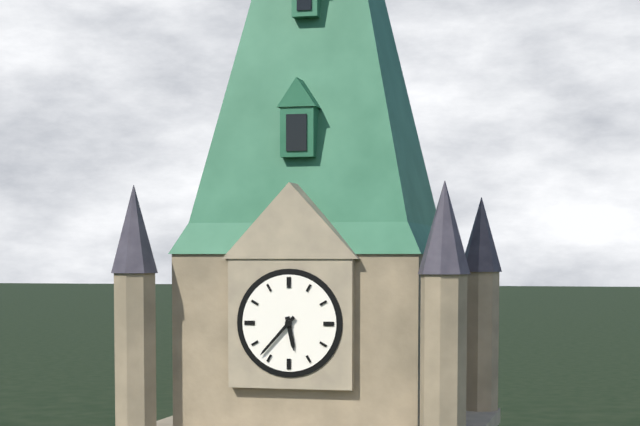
5:37
